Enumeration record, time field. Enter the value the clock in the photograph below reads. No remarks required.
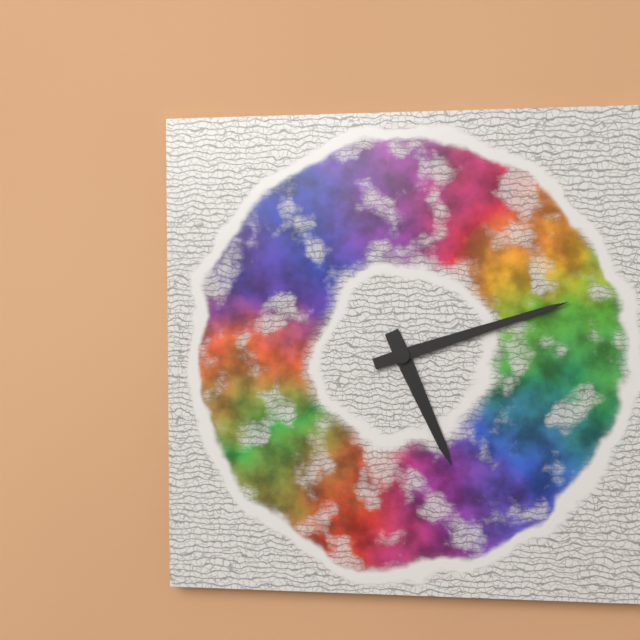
5:12
